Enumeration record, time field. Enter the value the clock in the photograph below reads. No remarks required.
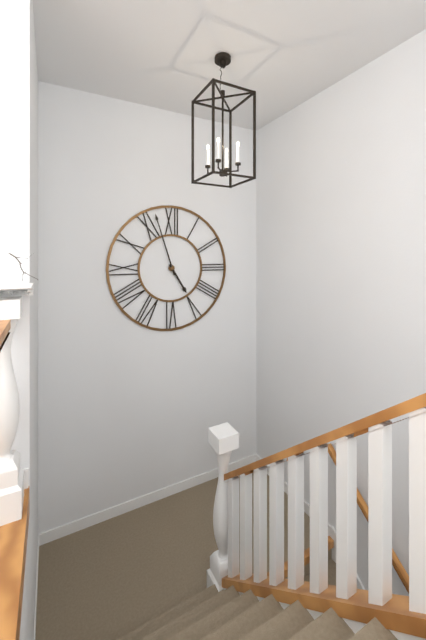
4:57
